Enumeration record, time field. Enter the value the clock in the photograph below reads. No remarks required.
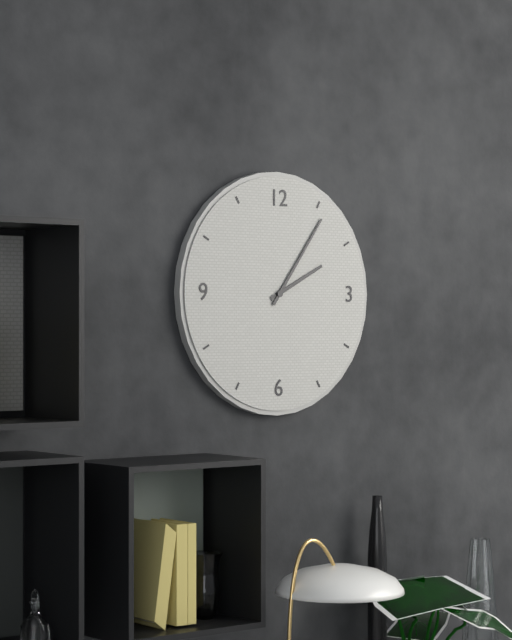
2:06
